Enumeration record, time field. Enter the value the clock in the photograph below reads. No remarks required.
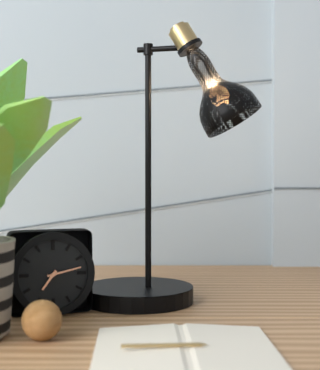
7:13
